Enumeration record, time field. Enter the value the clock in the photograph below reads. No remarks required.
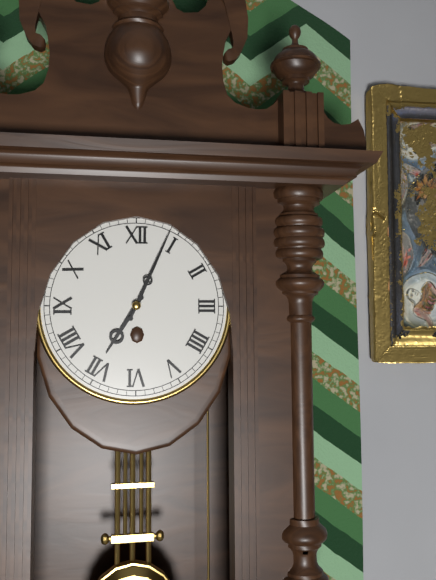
7:04
